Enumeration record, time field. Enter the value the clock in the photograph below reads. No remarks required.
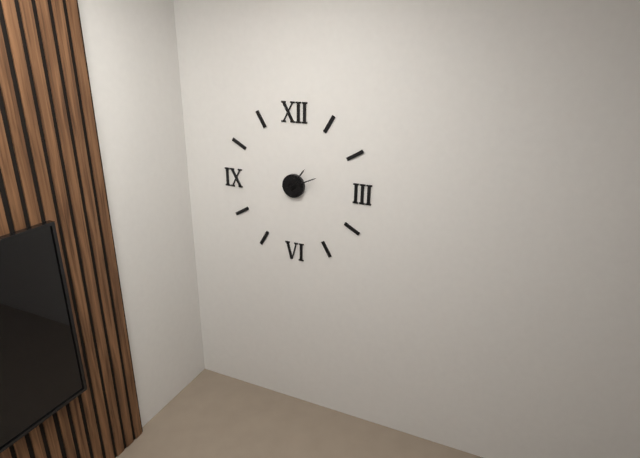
1:11
